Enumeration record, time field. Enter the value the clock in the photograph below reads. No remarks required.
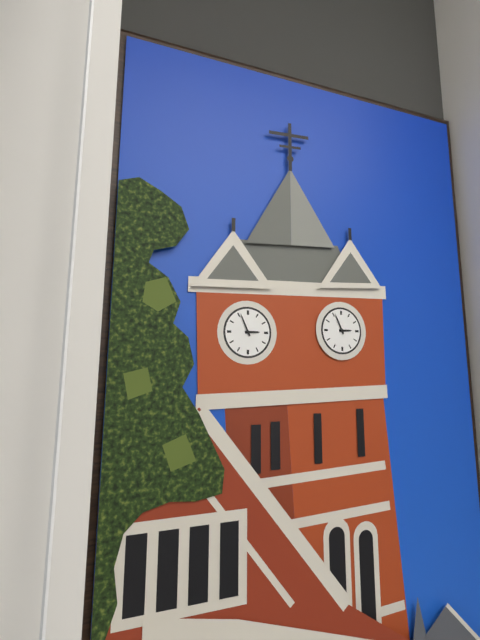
2:56
